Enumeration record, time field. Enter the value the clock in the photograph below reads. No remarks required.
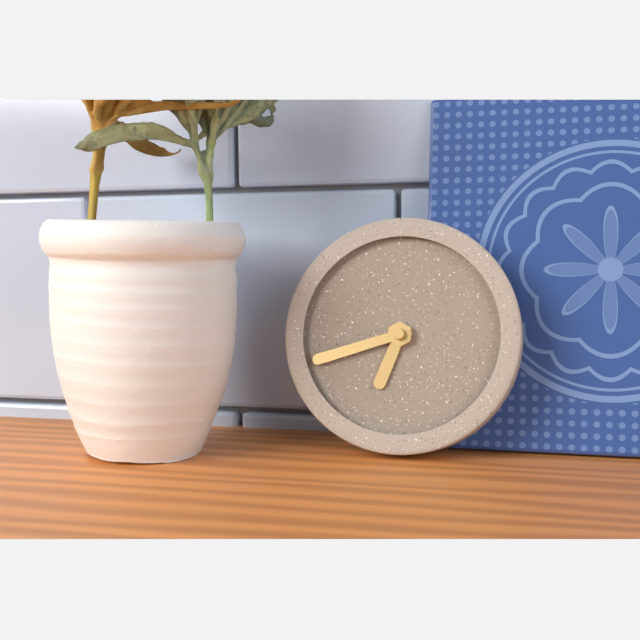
6:42
